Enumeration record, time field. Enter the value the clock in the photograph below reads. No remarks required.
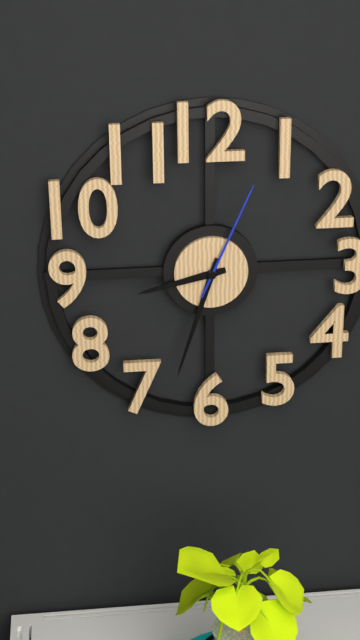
8:33:04
